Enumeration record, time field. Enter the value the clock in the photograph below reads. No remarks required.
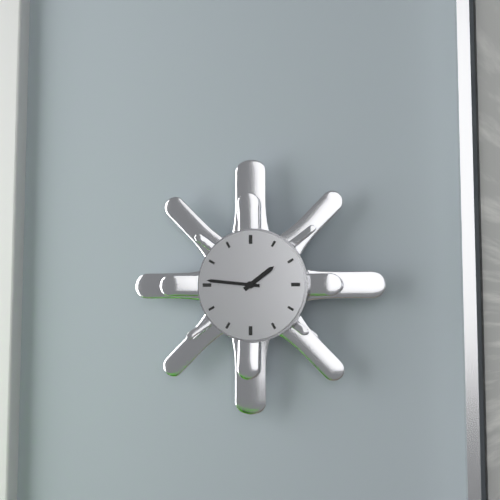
1:46
